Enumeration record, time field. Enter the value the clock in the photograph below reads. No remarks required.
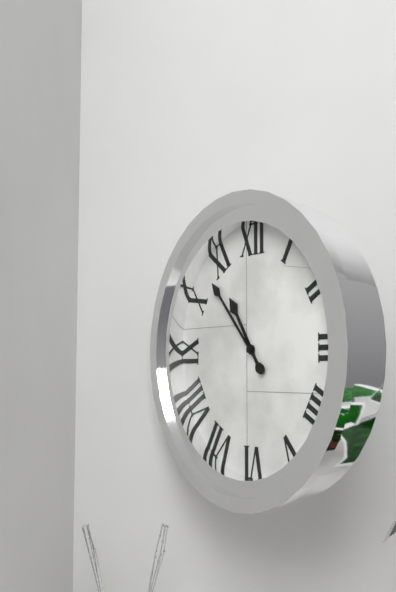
10:53
